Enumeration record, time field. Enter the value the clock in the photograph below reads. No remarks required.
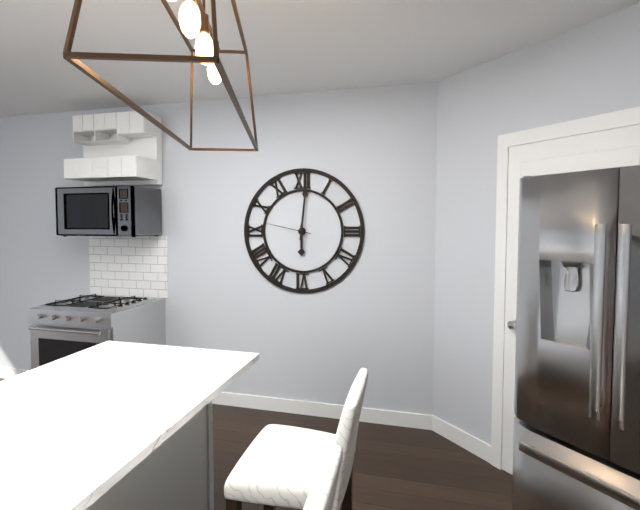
6:01
